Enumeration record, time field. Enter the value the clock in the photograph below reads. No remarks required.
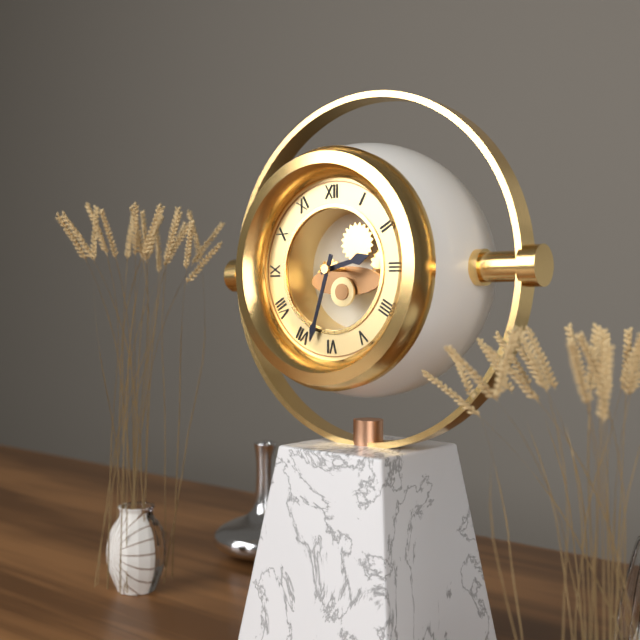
2:33
